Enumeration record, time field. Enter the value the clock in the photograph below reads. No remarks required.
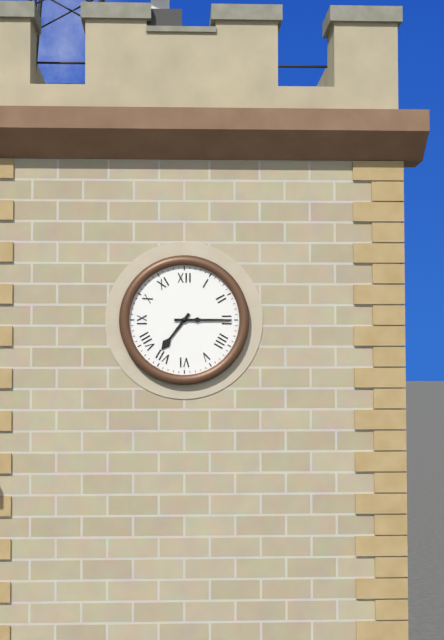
7:15
